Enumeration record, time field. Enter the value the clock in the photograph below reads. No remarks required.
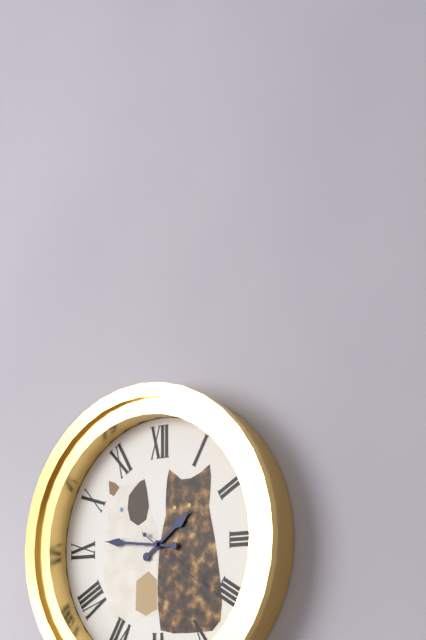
1:46:21
